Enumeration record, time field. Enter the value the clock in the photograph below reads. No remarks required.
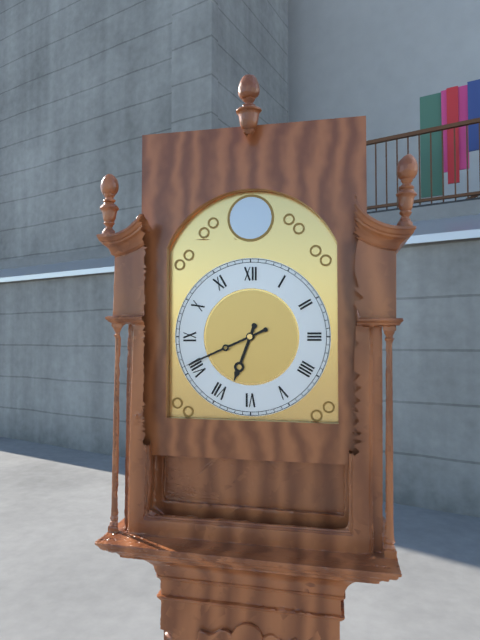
6:41
